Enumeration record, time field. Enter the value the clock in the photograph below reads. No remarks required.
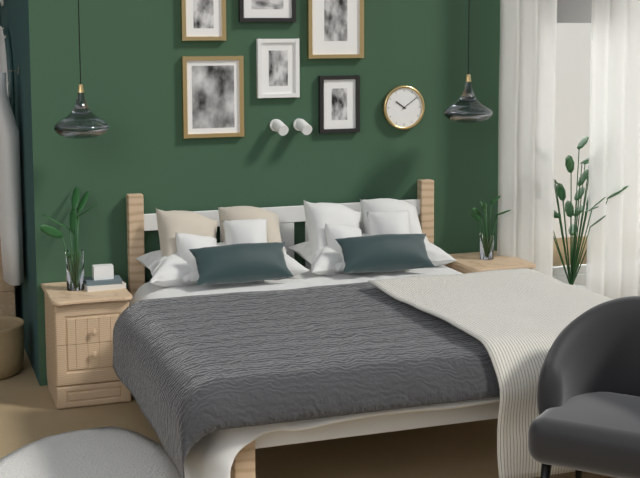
10:09
